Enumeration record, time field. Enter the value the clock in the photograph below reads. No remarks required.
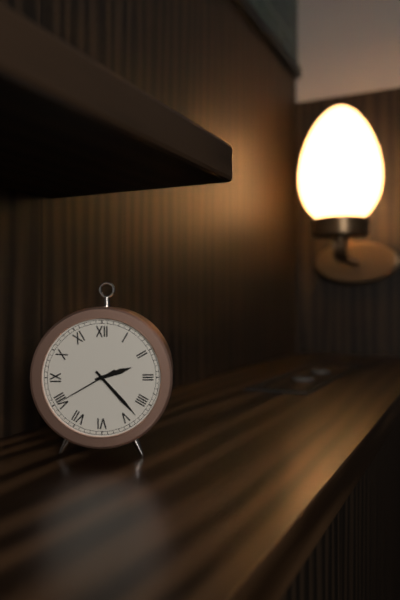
2:23:40
